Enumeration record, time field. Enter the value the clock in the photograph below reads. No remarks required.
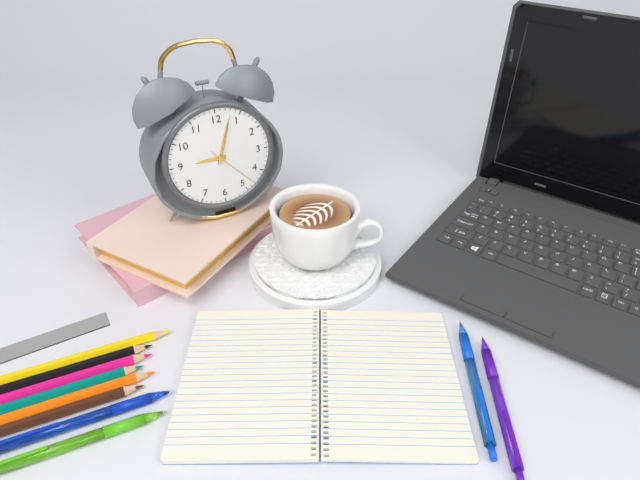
9:03:23
